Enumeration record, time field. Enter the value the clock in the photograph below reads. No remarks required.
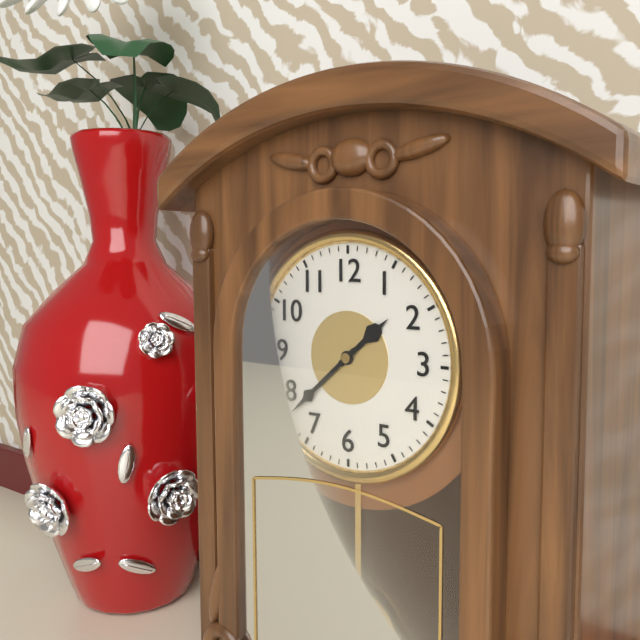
1:38
